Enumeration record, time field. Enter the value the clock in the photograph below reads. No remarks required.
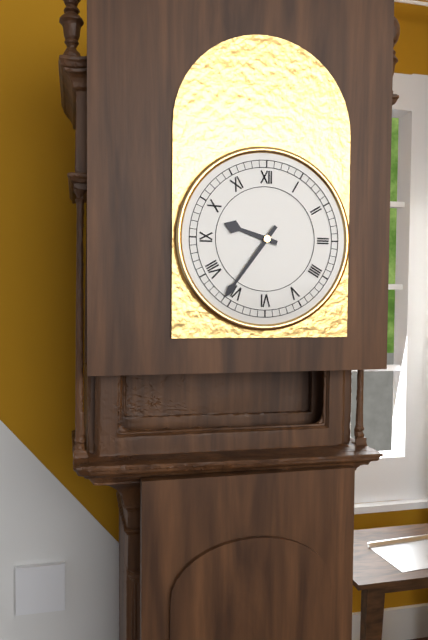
9:36
